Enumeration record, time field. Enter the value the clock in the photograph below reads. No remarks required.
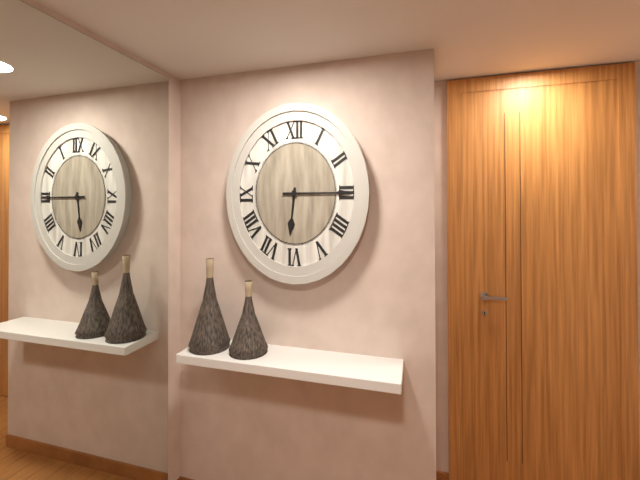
6:15
